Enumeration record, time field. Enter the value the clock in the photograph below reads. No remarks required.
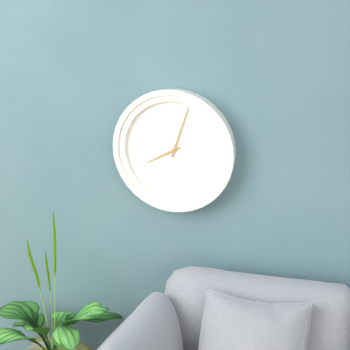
8:03
